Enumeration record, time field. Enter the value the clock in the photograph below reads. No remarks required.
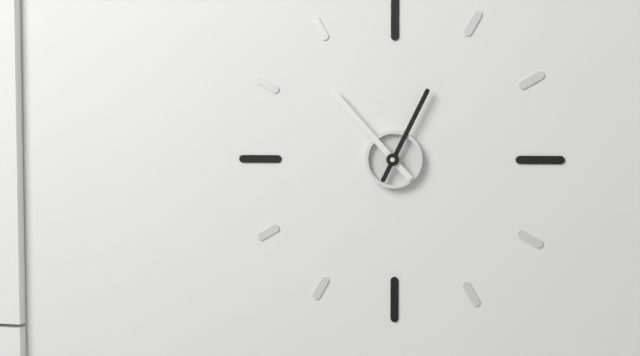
12:53
